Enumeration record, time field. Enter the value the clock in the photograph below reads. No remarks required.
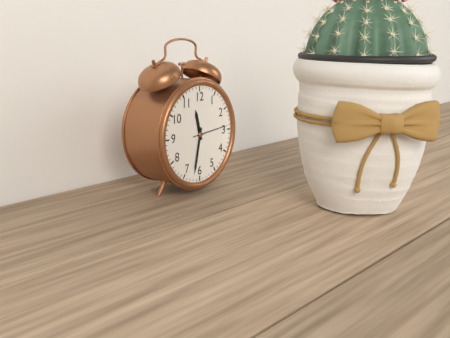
11:32
